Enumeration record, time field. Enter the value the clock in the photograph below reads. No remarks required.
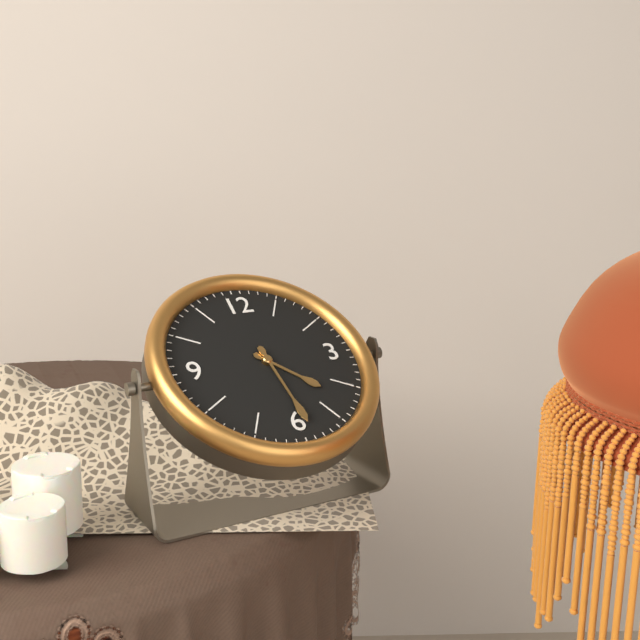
4:29
